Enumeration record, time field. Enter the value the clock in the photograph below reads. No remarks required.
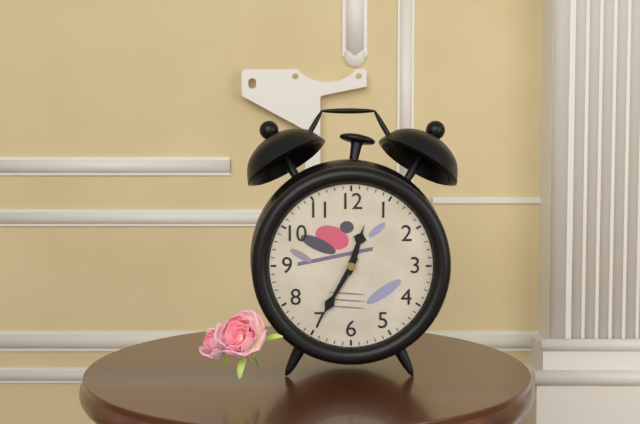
12:35
